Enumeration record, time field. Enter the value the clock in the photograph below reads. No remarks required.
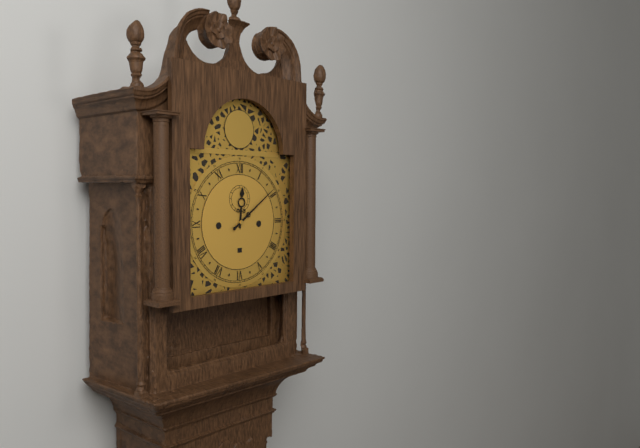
12:09
